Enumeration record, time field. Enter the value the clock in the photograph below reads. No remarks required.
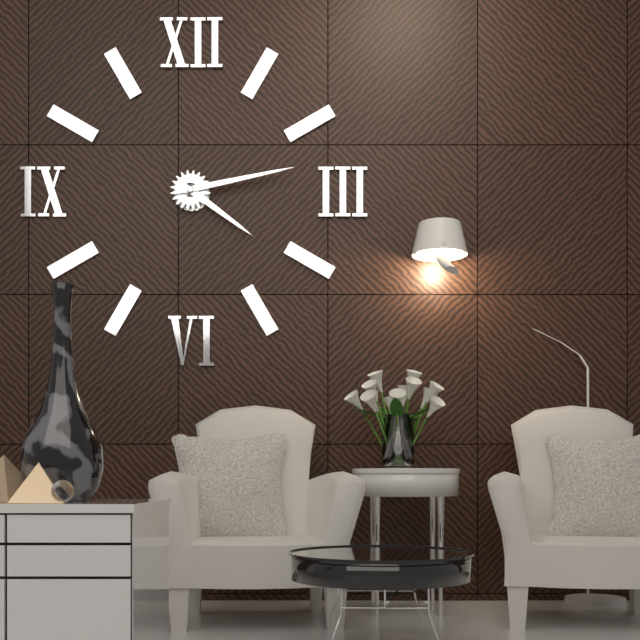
4:13
